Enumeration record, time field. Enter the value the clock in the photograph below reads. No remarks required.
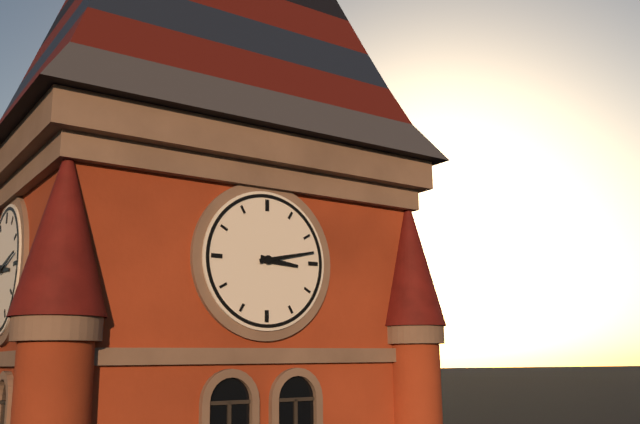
3:13
